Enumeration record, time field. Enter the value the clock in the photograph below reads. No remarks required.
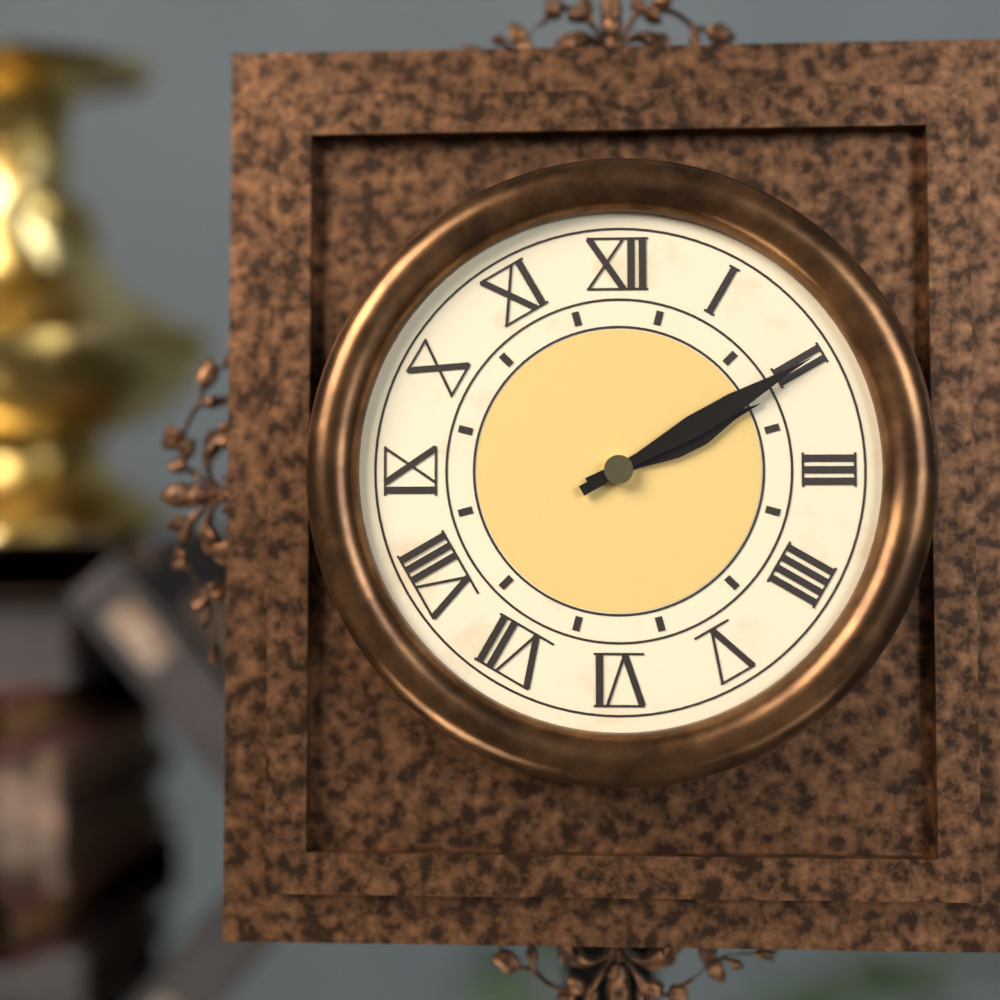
2:10
